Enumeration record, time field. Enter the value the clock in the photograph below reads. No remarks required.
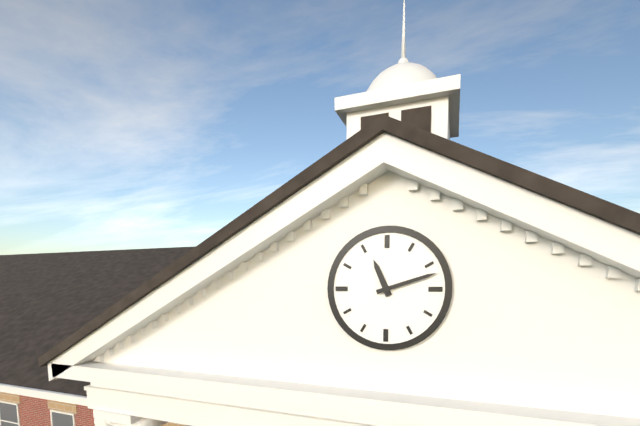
11:12
